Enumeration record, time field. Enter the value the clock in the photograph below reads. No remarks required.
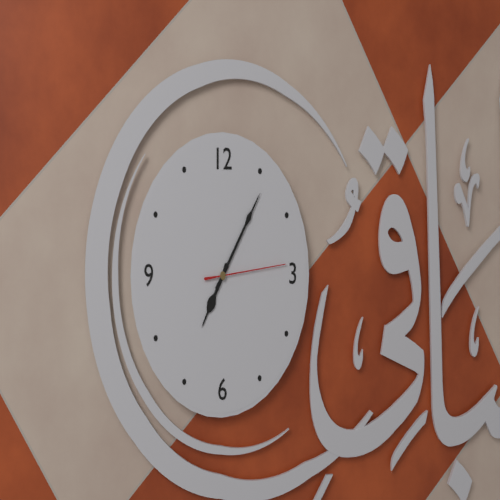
7:06:14
